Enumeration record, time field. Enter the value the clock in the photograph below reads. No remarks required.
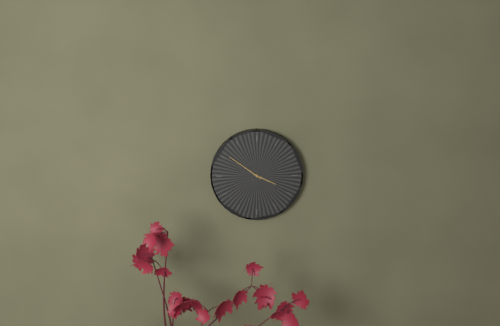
3:51
